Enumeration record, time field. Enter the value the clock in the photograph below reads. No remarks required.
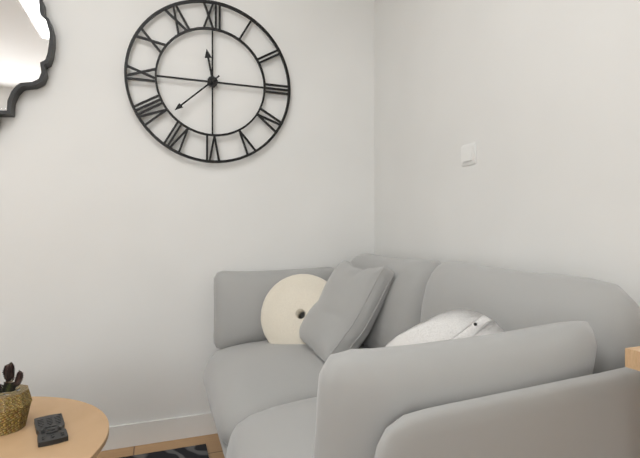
11:38
